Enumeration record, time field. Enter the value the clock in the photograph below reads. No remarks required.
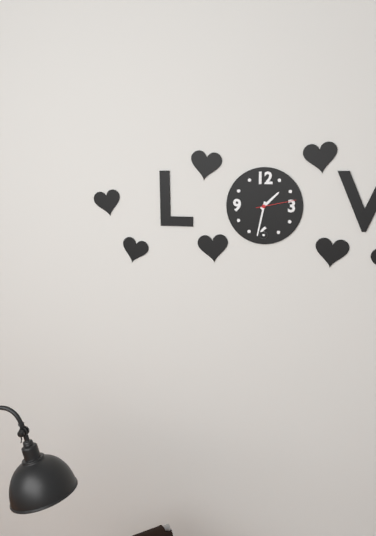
1:32
